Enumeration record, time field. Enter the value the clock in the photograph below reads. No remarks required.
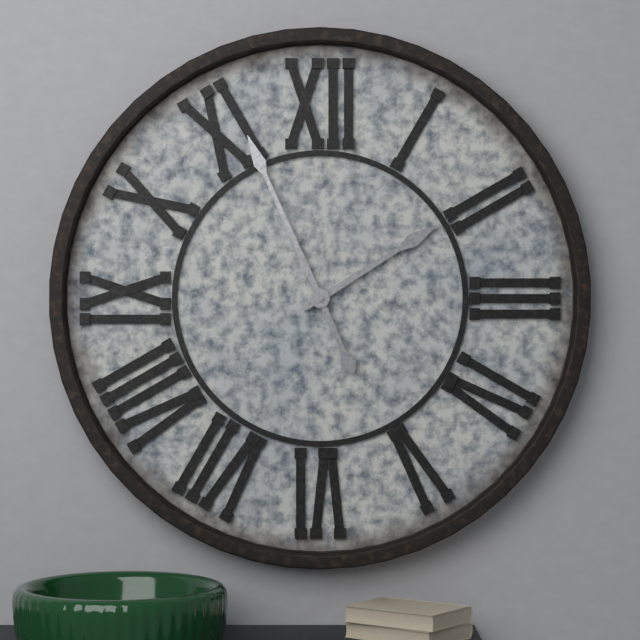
1:56
